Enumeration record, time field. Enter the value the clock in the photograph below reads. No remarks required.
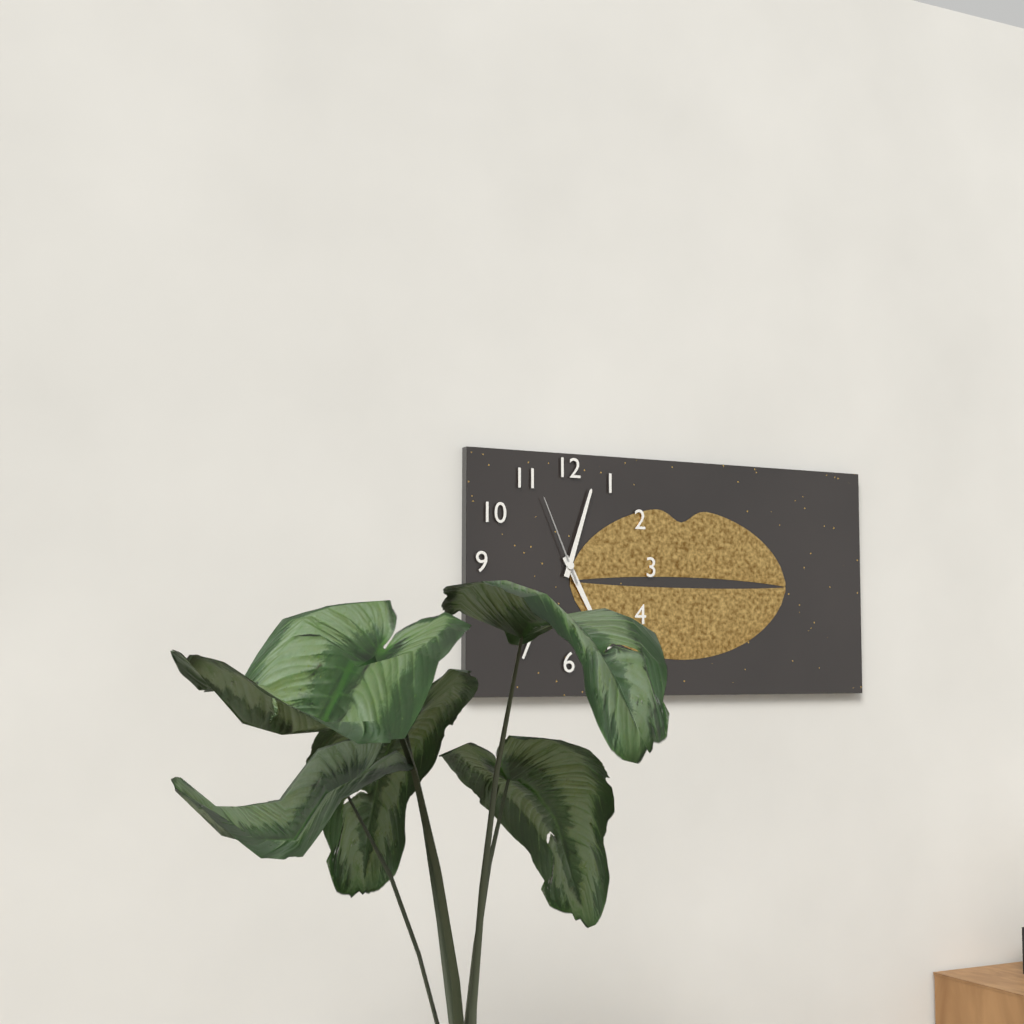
5:03:56
